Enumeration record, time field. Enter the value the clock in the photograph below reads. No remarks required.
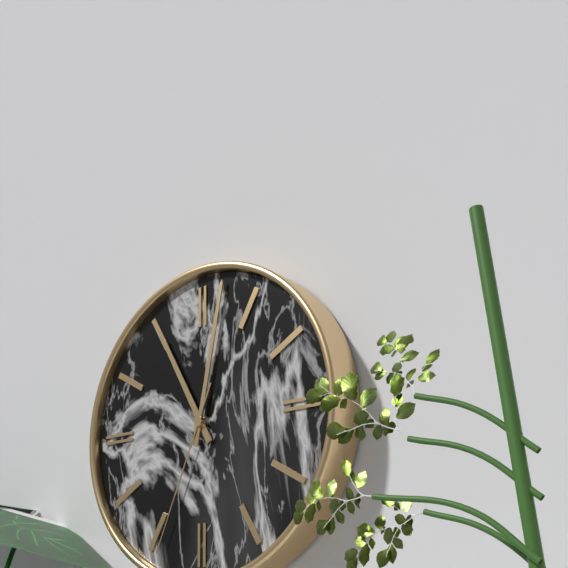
11:02:34
